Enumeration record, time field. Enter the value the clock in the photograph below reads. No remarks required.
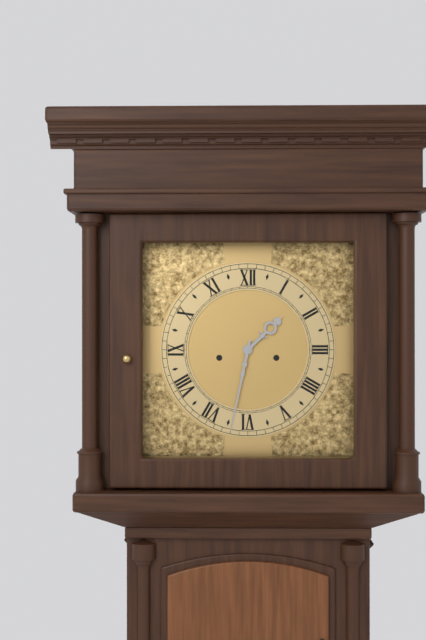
1:32
